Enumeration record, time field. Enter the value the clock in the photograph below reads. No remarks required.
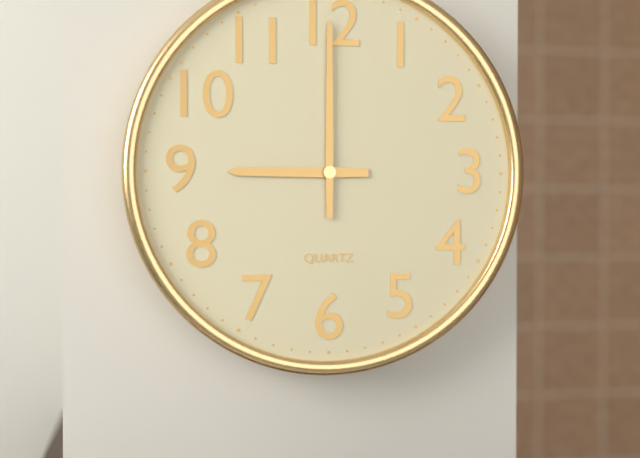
9:00
